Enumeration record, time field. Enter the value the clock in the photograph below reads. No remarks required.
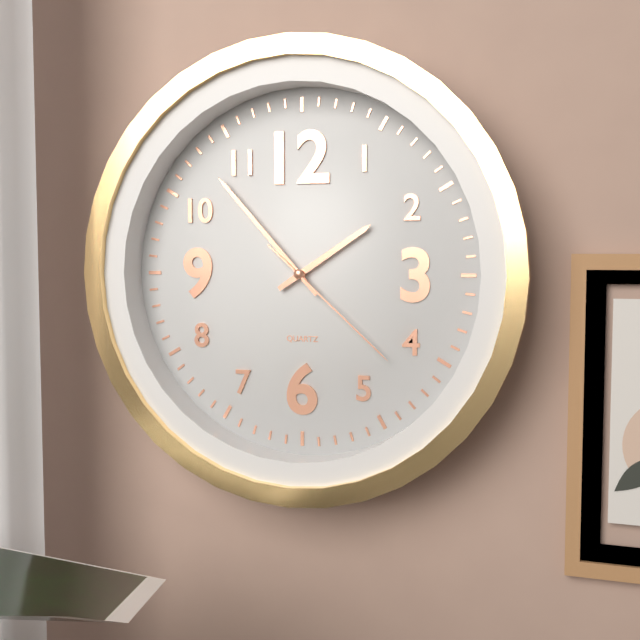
1:53:22
